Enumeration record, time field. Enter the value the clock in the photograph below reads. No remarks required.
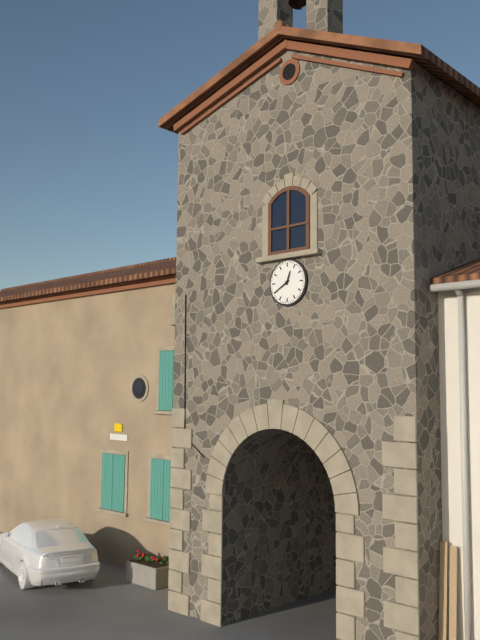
12:40
